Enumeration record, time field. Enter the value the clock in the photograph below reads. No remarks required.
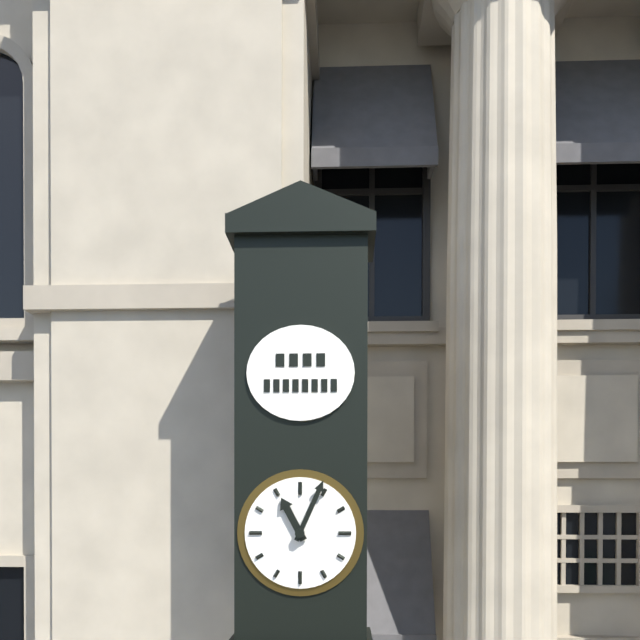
11:04
